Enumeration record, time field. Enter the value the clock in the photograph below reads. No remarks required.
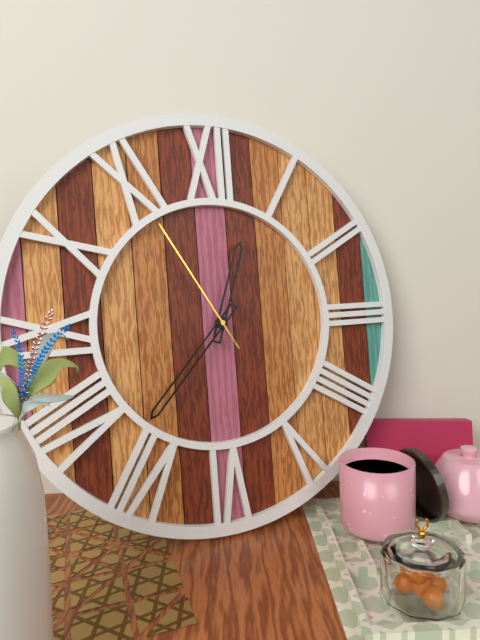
12:37:55
